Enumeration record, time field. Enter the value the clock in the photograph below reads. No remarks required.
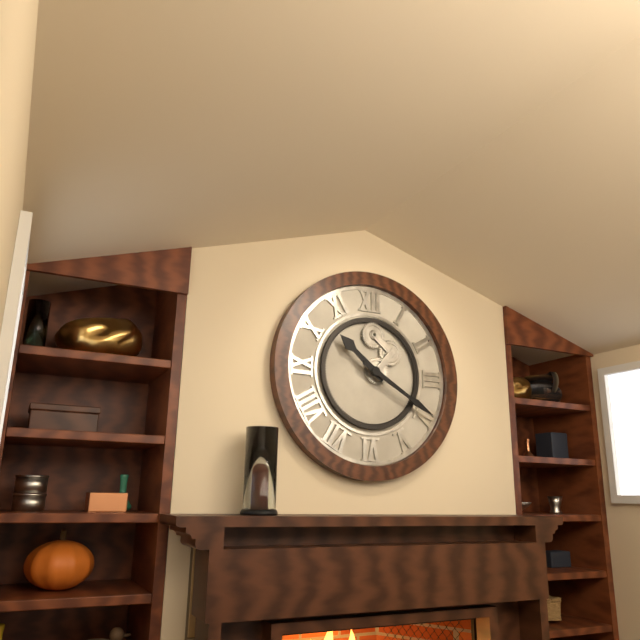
10:20
